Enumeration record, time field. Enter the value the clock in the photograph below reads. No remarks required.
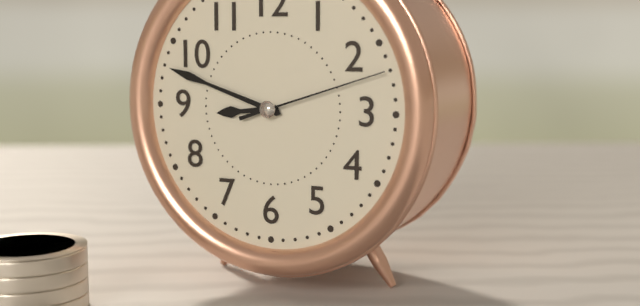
8:48:12
